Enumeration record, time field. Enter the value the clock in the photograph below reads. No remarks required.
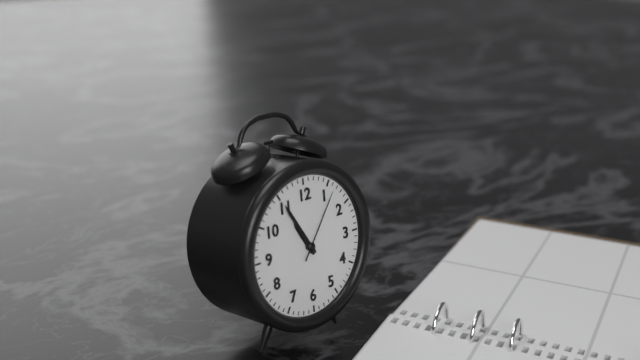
10:55:06
